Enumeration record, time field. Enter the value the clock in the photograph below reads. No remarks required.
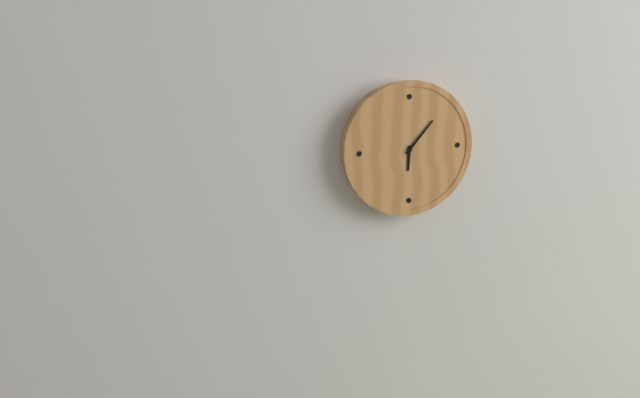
6:07
